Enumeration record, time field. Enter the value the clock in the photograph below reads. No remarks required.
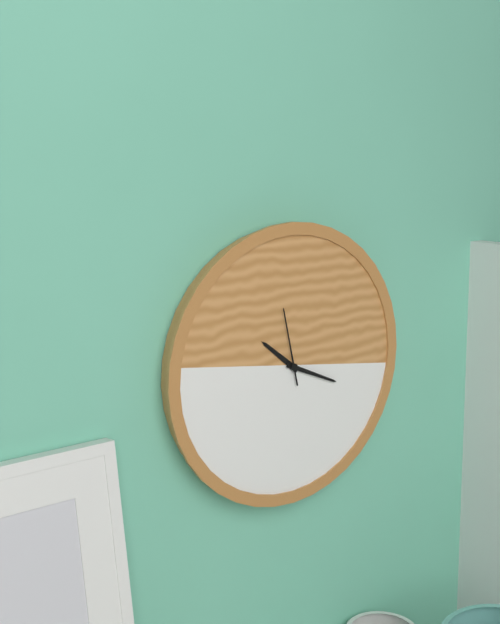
10:19:58
